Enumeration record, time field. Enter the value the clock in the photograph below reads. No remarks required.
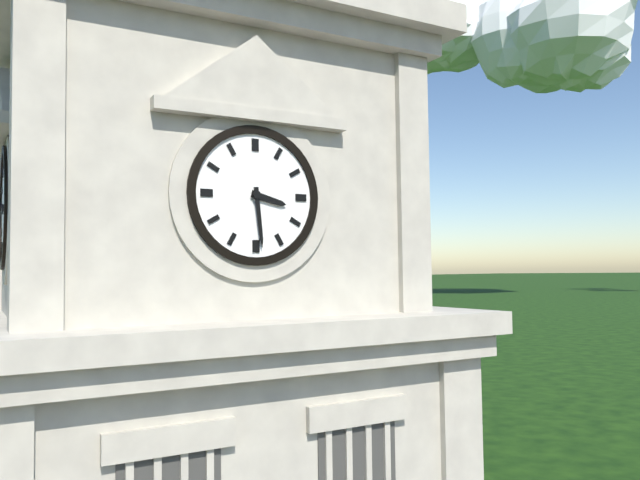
3:29
